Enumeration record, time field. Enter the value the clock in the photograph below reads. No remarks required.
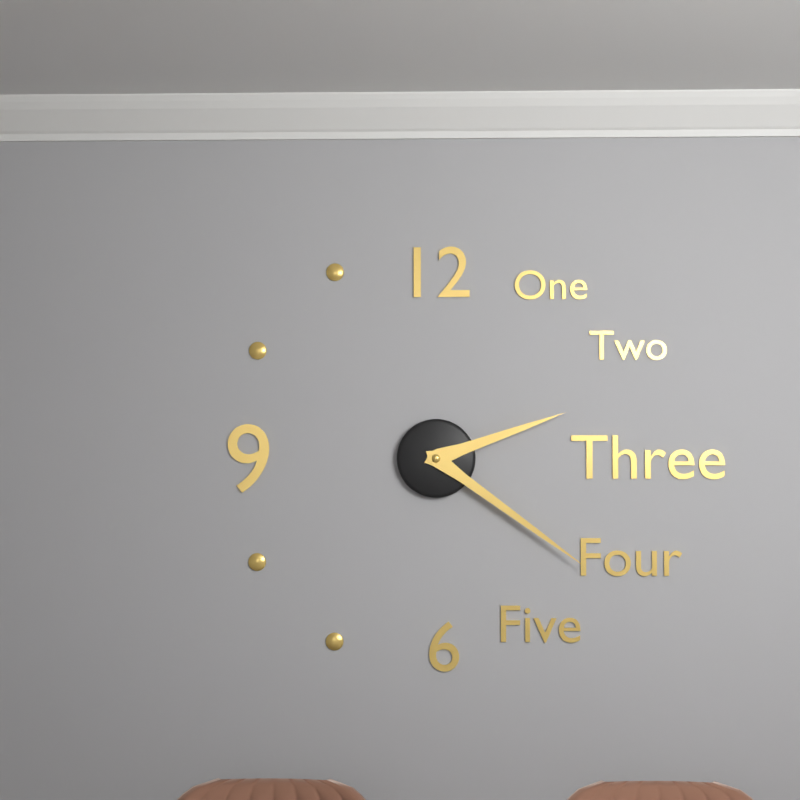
2:21
